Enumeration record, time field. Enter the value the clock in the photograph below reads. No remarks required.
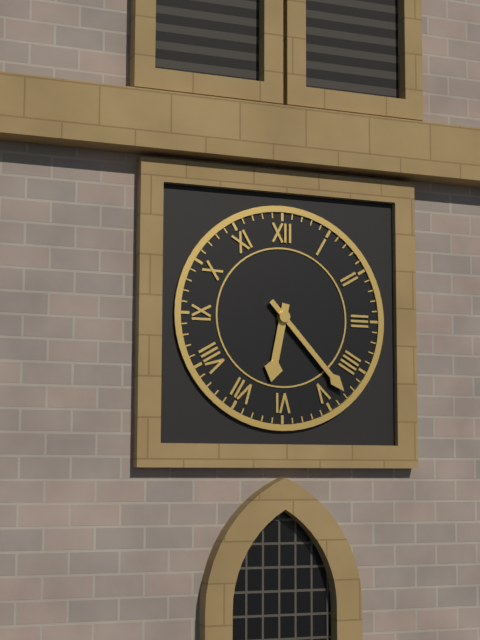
6:23
